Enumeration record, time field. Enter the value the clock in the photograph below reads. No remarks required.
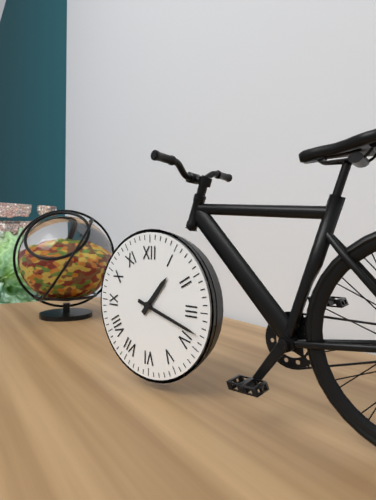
1:18
